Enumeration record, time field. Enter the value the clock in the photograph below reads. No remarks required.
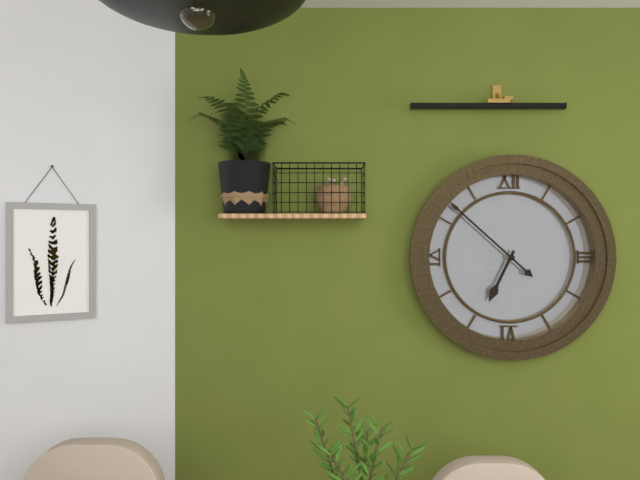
6:52
